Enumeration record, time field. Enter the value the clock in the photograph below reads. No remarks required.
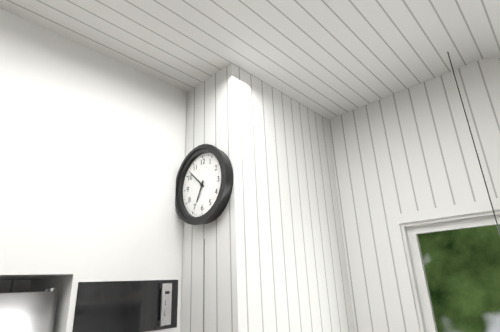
6:52
